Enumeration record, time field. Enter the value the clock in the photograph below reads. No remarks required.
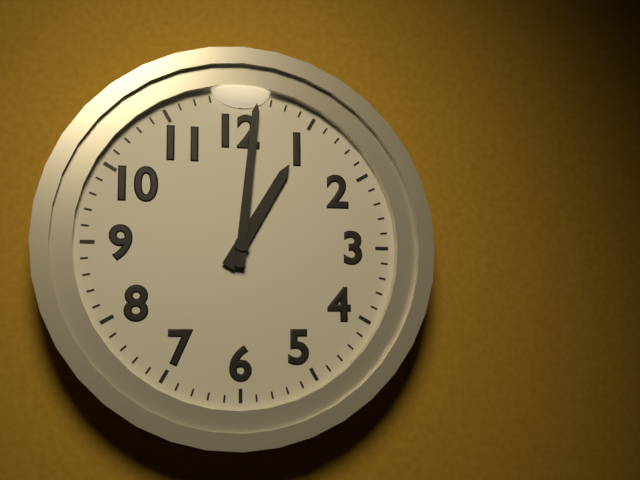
1:01
